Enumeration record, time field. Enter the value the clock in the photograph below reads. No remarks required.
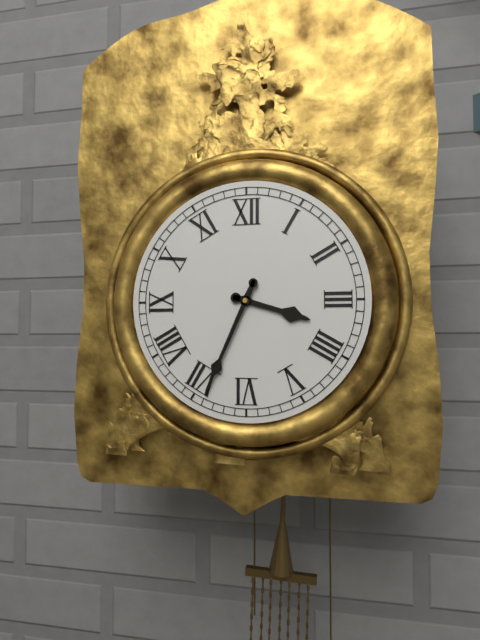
3:34
